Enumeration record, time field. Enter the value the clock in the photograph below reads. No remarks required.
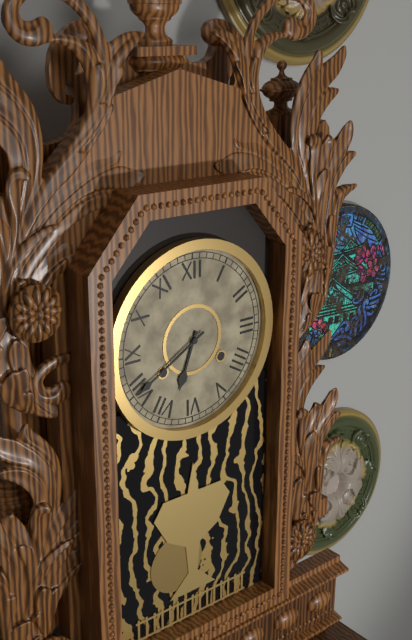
6:40
